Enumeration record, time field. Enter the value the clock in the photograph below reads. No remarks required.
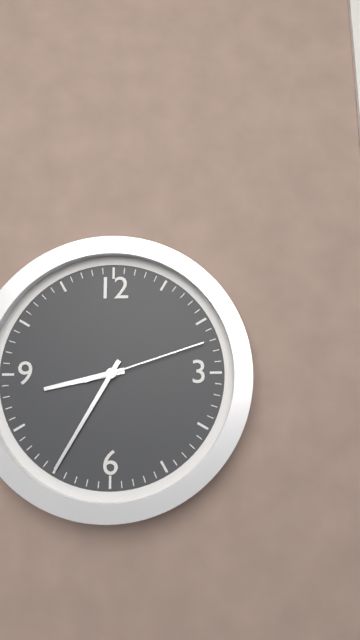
8:35:12
